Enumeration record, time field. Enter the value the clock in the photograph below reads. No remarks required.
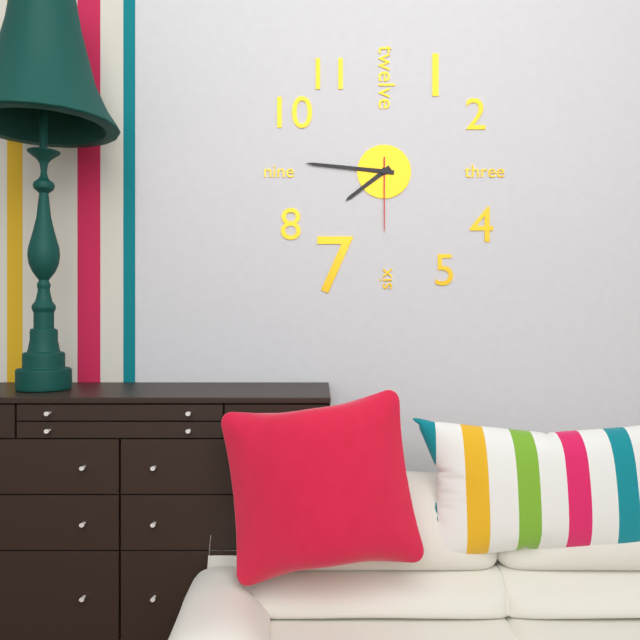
7:46:30
